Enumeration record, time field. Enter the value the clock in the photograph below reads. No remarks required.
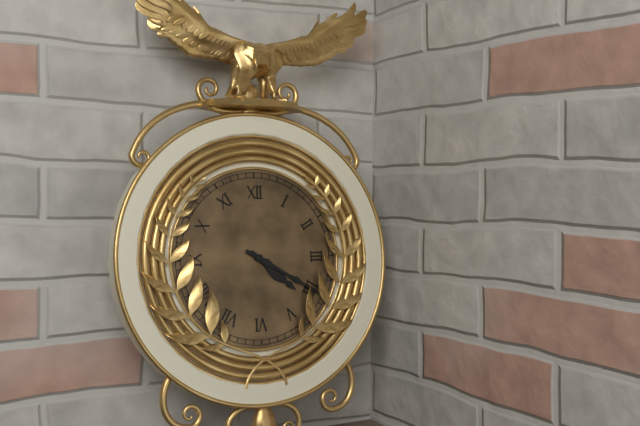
4:20
